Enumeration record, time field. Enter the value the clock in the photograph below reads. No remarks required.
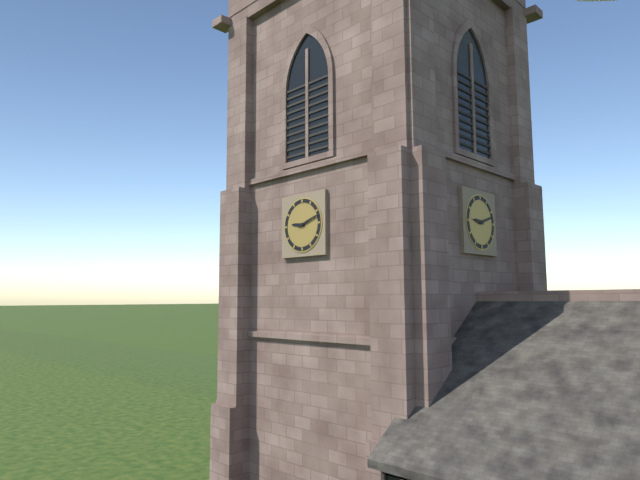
9:12
